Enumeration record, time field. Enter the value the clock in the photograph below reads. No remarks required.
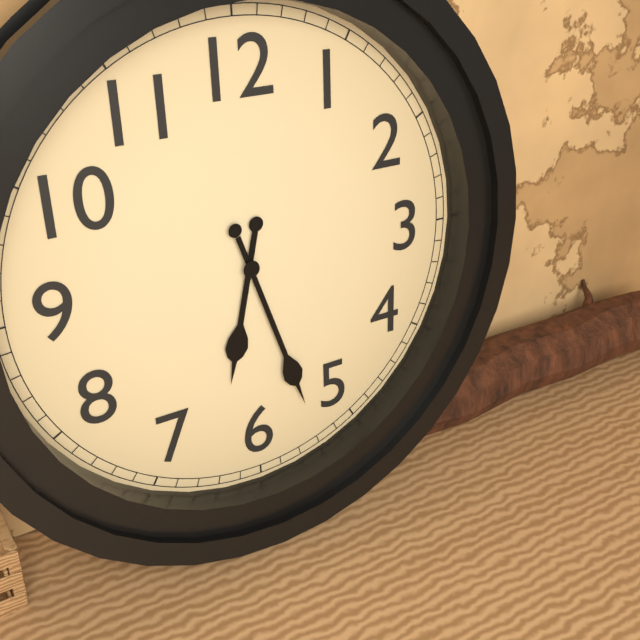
6:27
